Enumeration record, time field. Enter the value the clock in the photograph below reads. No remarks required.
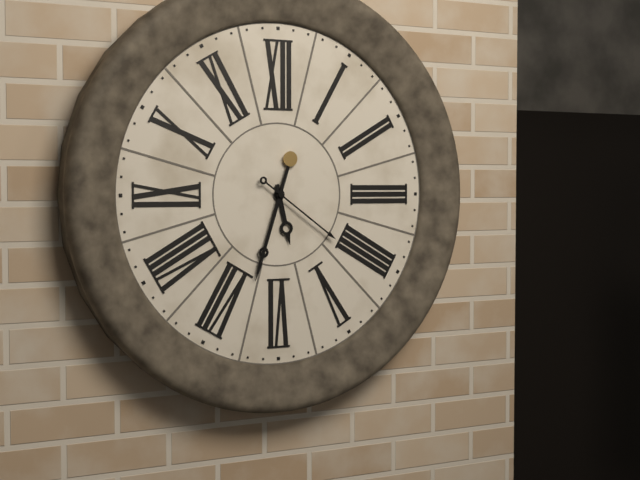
5:33:21
